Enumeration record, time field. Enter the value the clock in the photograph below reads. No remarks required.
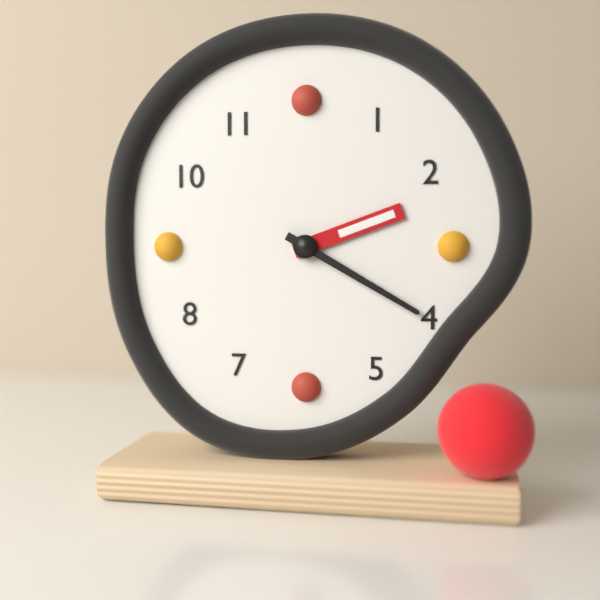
2:20
